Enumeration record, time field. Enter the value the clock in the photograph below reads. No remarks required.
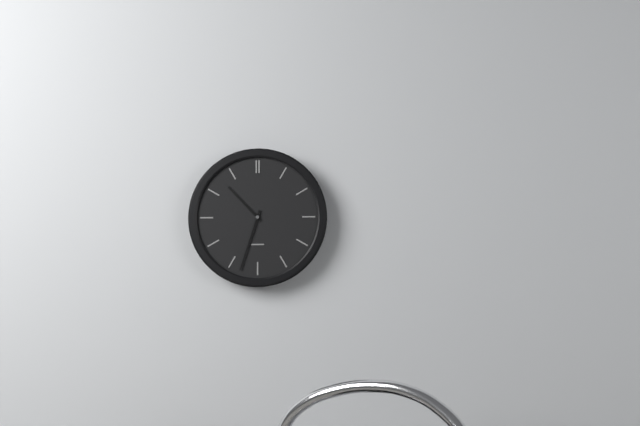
10:33
